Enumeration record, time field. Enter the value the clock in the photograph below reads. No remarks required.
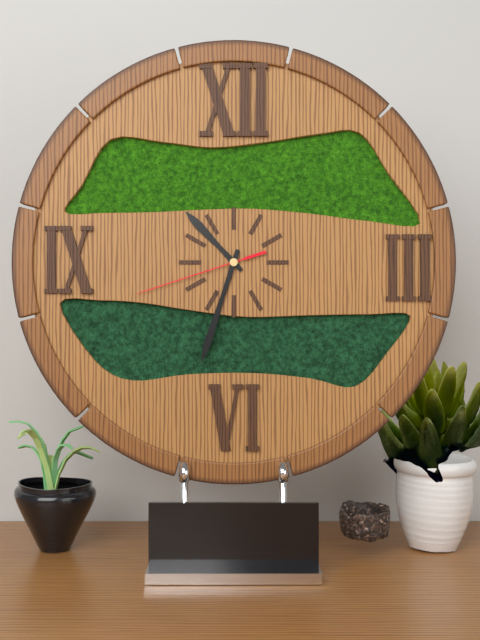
10:33:42
